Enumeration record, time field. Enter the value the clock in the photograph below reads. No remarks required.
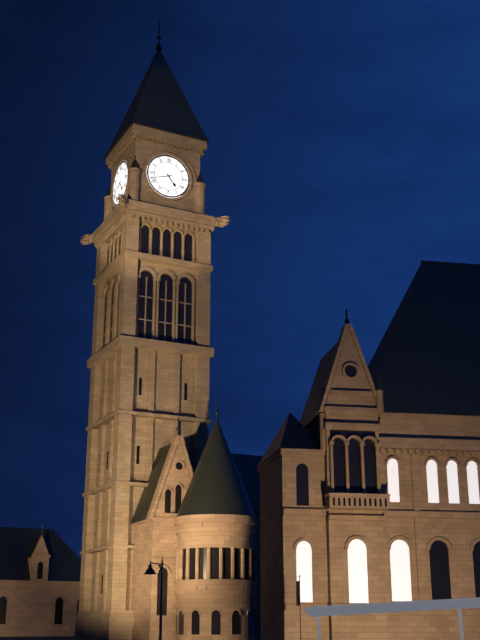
4:42
